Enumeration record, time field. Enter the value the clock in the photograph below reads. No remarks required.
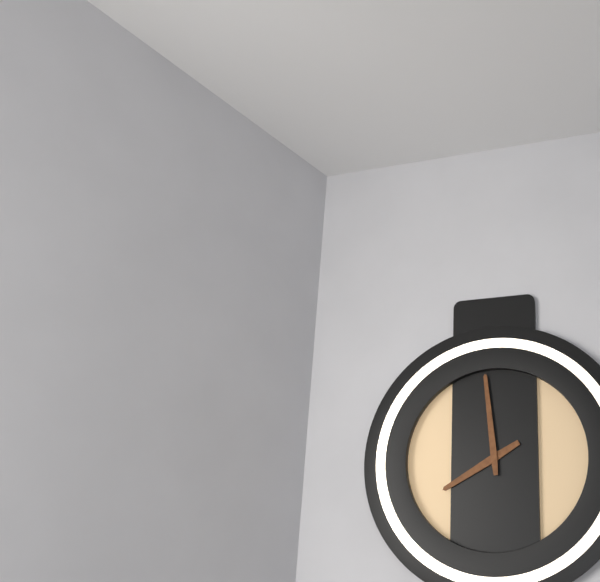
7:59
